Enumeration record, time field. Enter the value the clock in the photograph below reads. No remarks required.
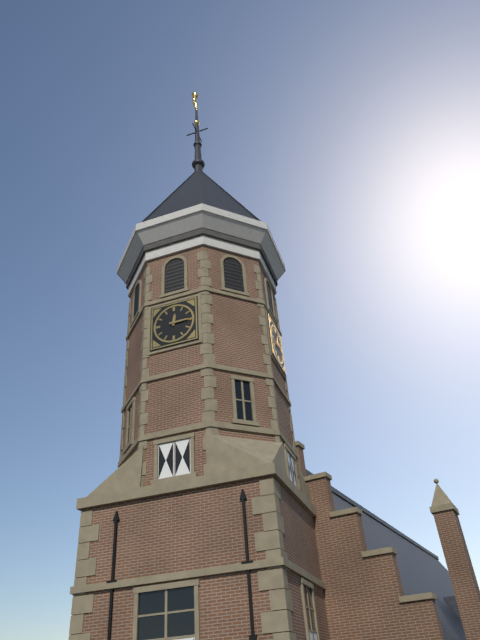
12:15
